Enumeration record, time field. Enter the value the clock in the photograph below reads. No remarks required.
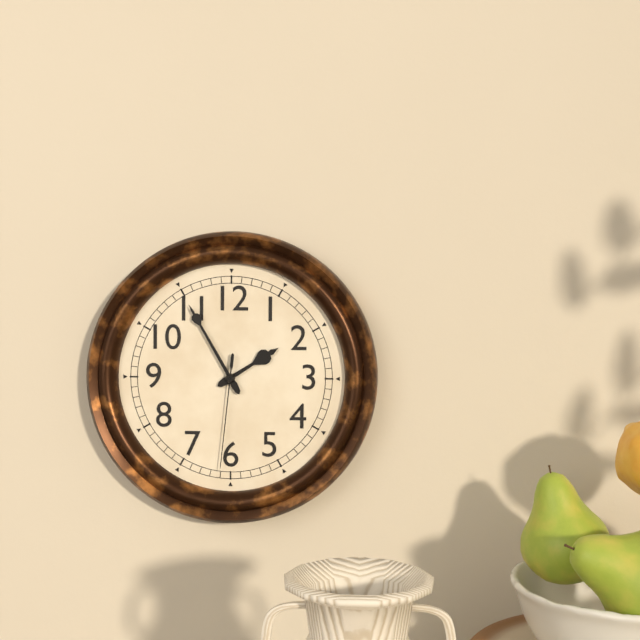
1:55:31
